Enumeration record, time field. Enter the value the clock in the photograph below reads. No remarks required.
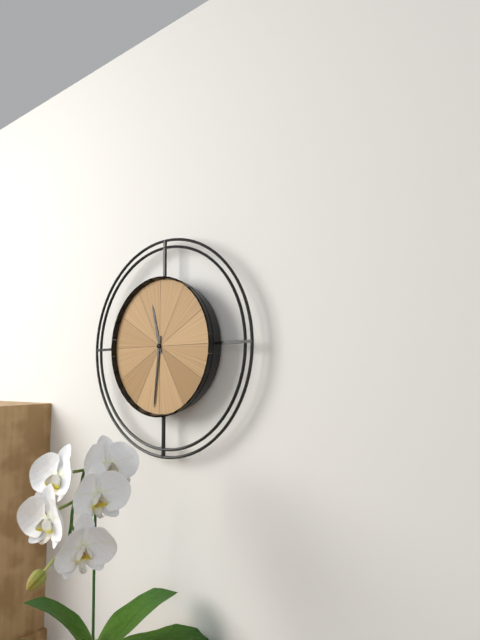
11:31
